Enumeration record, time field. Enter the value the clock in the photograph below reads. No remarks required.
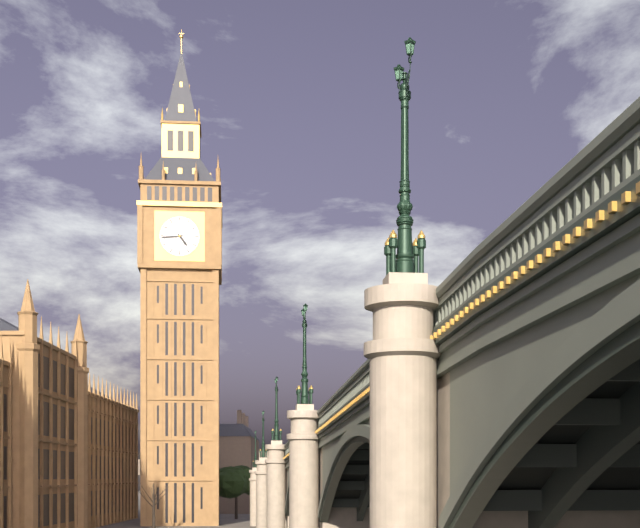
4:44
